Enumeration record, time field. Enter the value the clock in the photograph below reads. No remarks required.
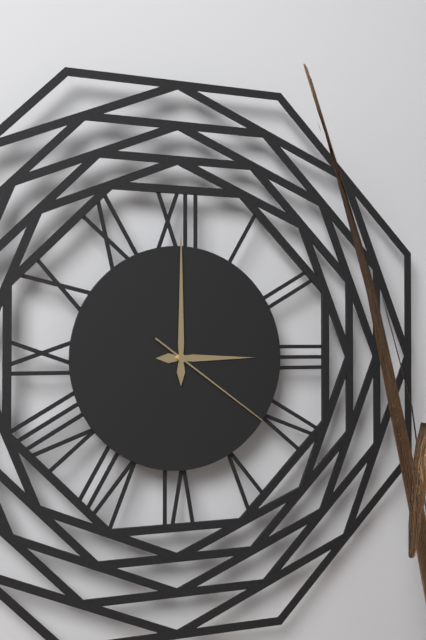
3:00:21
